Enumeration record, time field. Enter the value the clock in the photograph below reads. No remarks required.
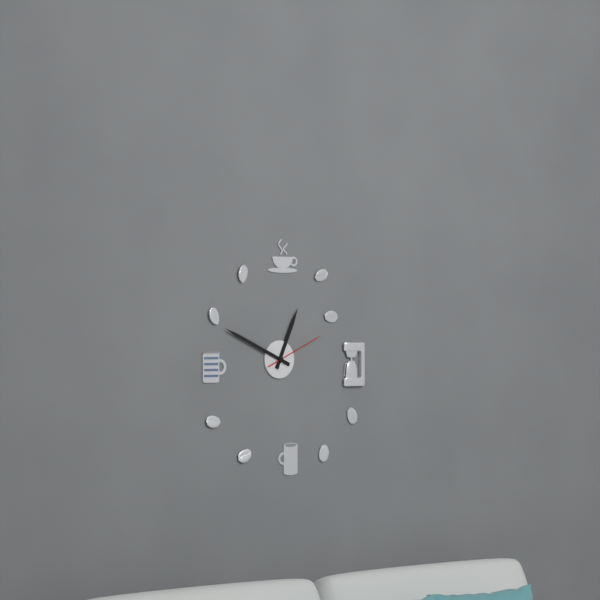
12:49:11
